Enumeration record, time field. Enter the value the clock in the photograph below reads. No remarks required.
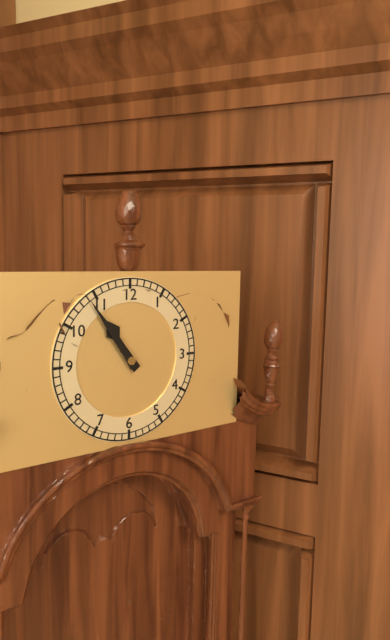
10:54
